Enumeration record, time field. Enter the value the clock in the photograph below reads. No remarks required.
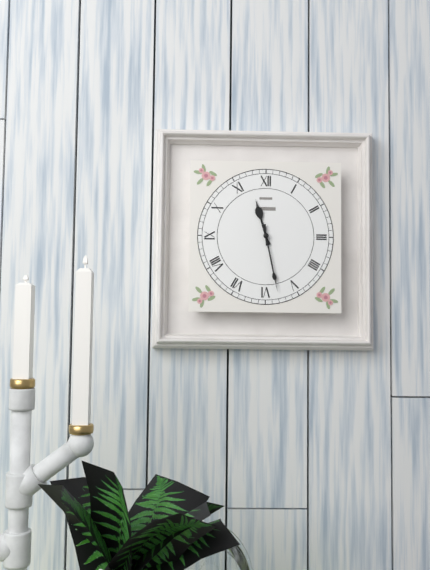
11:28
